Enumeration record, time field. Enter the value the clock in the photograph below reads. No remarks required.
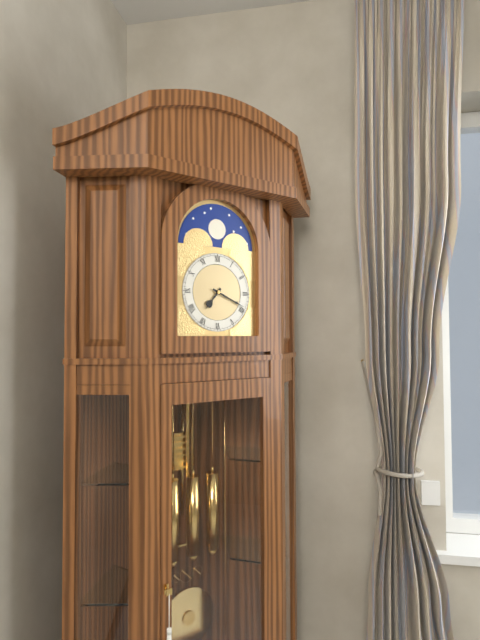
7:19
